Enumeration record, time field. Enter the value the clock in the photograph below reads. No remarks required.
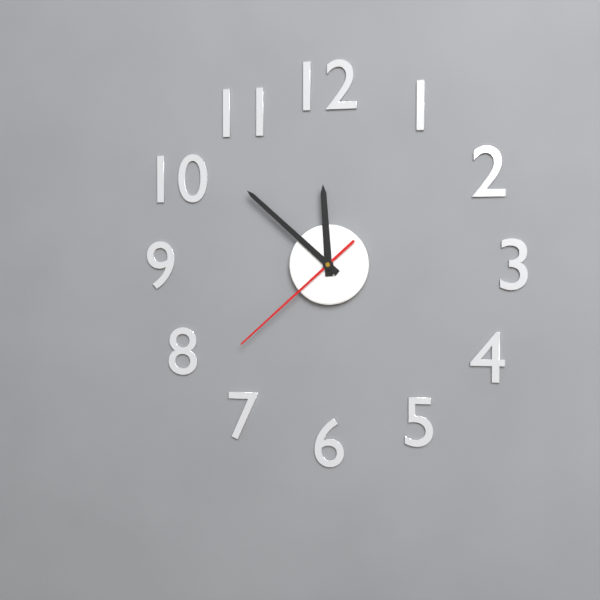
11:52:38
